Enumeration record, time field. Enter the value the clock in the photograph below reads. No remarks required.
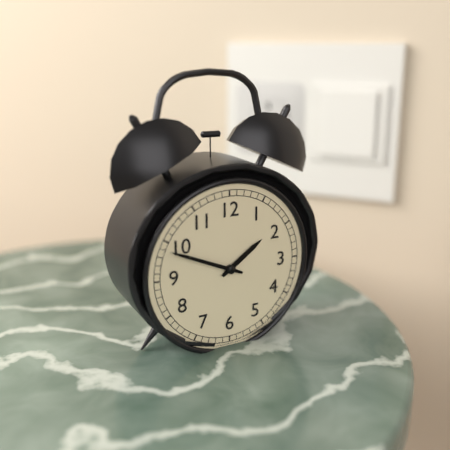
1:49
